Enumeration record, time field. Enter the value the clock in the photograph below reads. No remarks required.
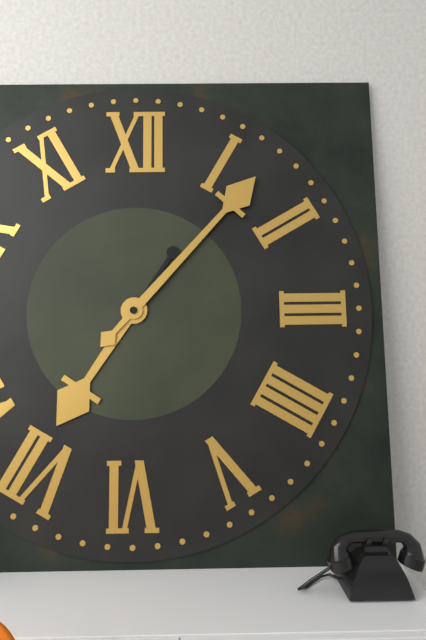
7:07
